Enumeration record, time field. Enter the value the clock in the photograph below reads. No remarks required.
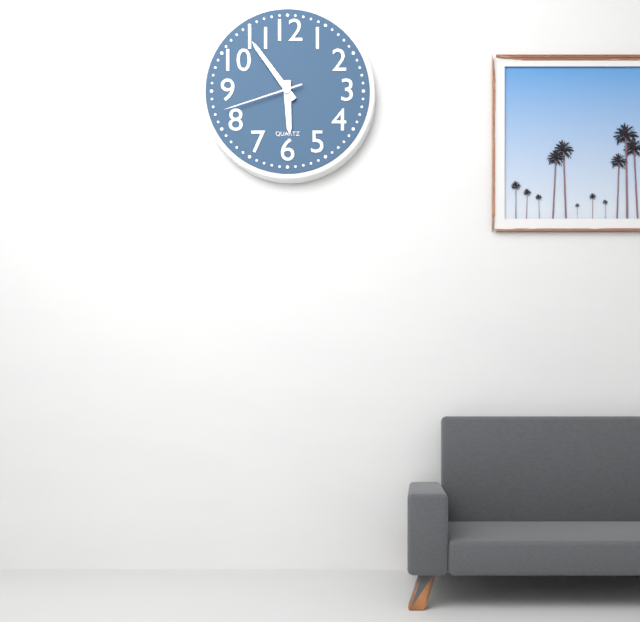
5:54:42
